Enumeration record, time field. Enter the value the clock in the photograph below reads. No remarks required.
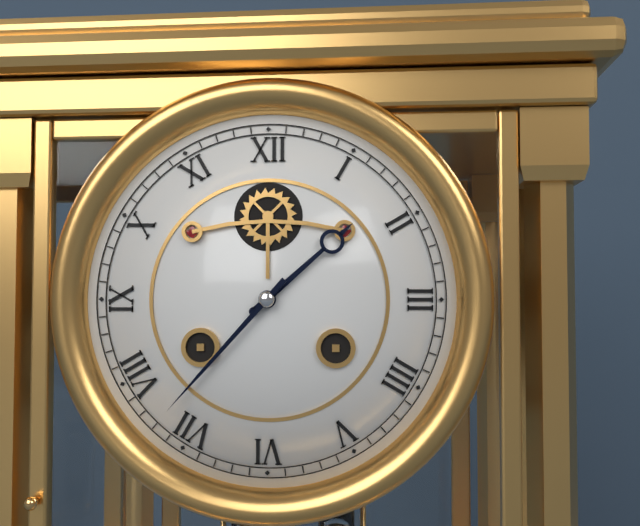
1:37
